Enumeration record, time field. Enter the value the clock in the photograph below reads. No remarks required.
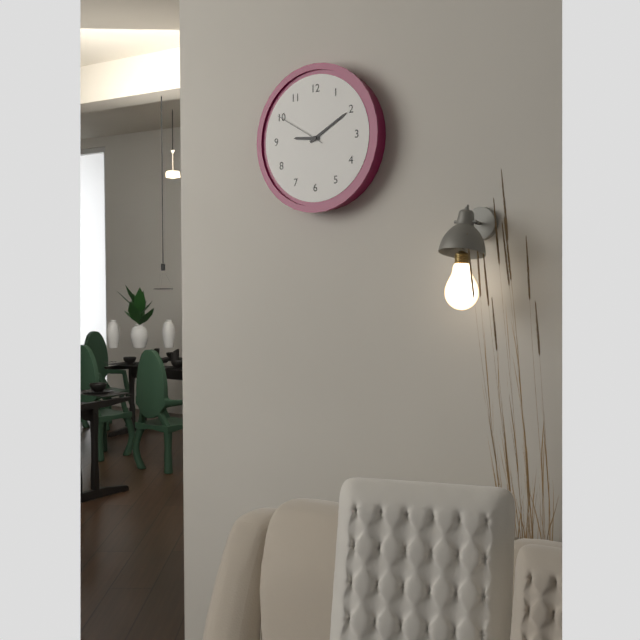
9:10:50
